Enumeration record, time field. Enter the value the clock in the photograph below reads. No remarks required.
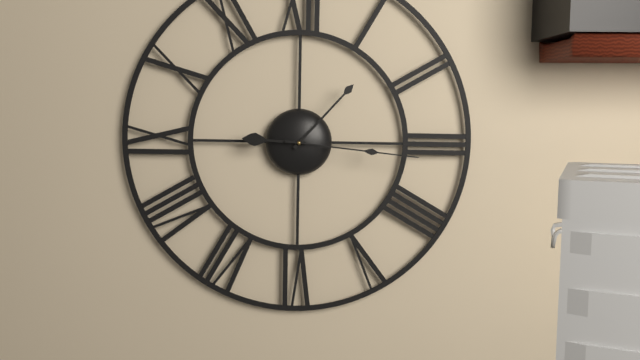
9:07:16
